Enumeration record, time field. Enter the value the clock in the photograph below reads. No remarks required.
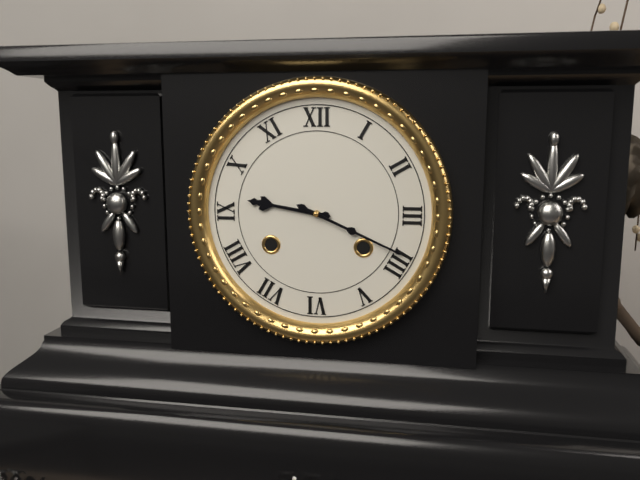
9:19
